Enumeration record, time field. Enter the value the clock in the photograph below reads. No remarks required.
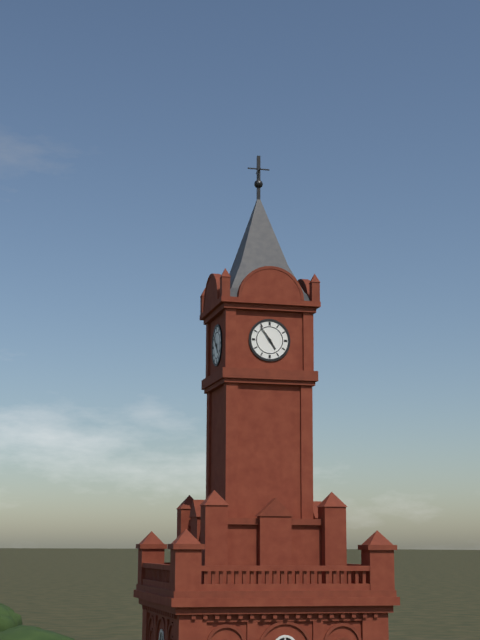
4:54
